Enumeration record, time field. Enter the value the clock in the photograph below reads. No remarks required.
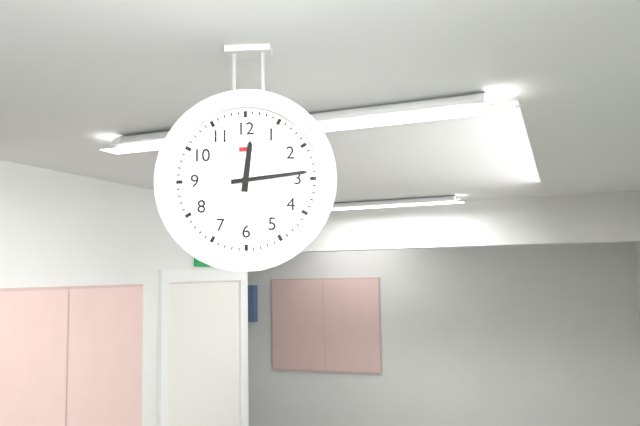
12:14
